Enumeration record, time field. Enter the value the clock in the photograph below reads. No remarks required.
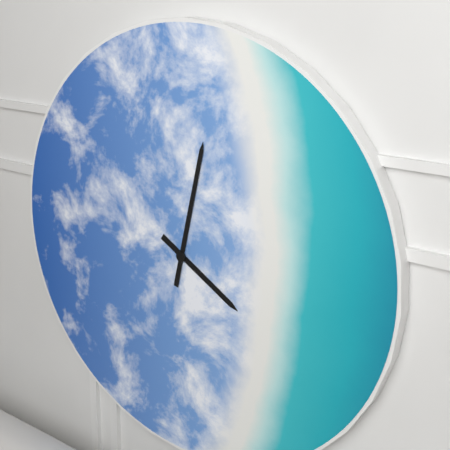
4:02
